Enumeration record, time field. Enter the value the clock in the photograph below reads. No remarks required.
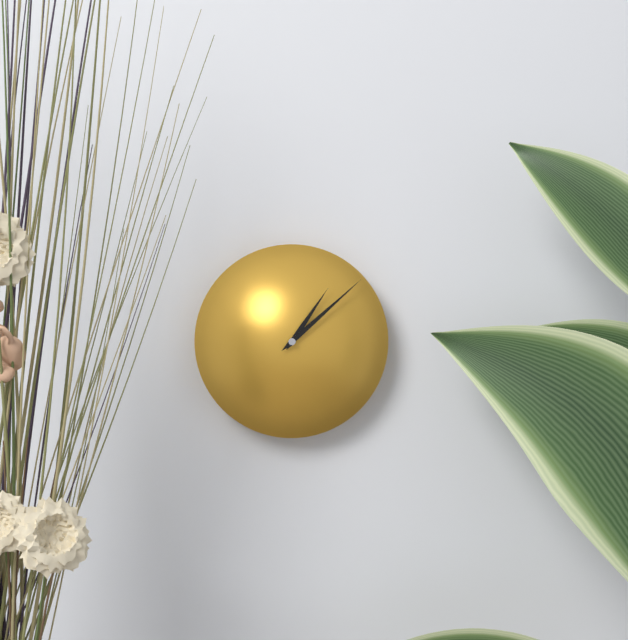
1:08
